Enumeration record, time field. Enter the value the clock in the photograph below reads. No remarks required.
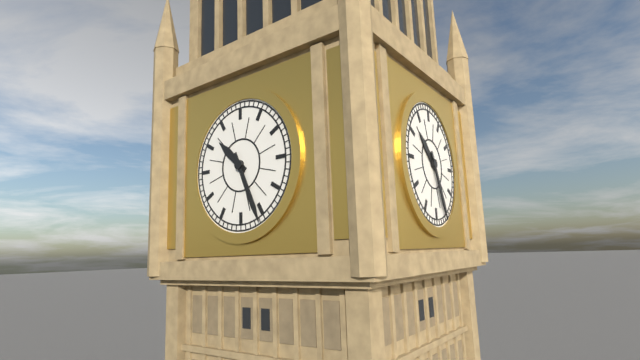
10:26
